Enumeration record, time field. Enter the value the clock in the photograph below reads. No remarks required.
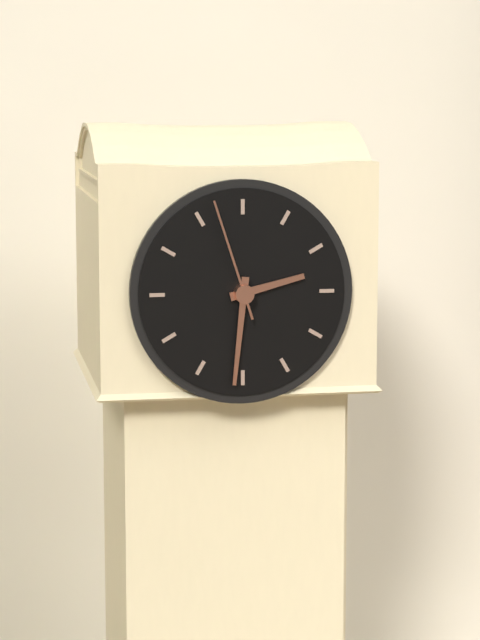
2:31:57
